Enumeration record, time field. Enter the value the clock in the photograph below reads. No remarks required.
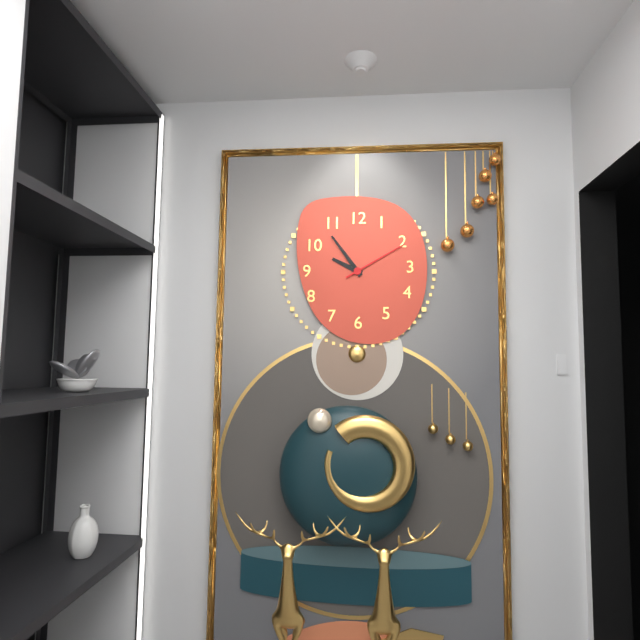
9:54:10
